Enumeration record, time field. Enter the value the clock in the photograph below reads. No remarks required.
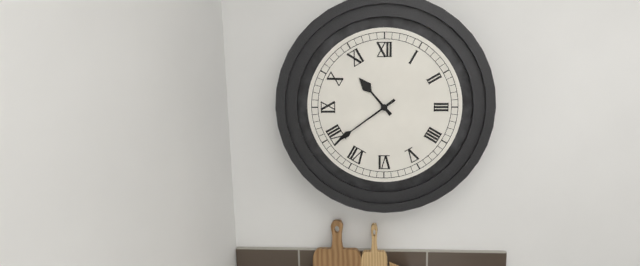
10:39
